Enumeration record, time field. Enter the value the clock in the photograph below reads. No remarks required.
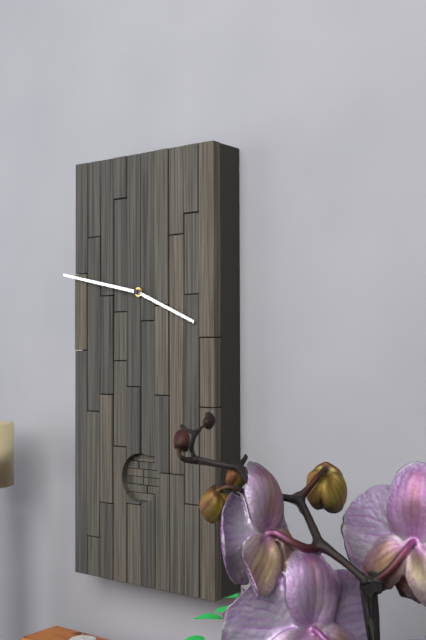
3:47
